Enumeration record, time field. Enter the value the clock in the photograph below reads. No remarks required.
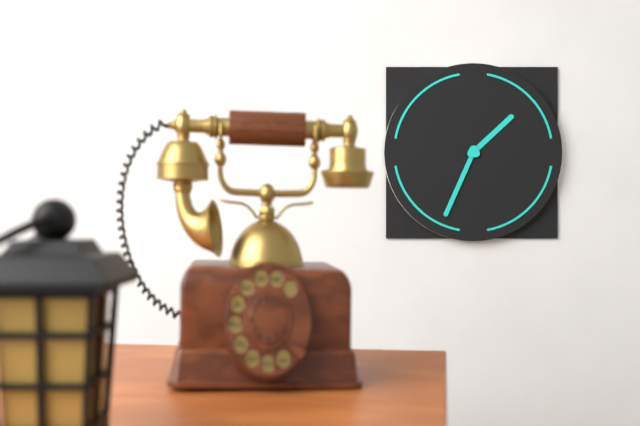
1:34
